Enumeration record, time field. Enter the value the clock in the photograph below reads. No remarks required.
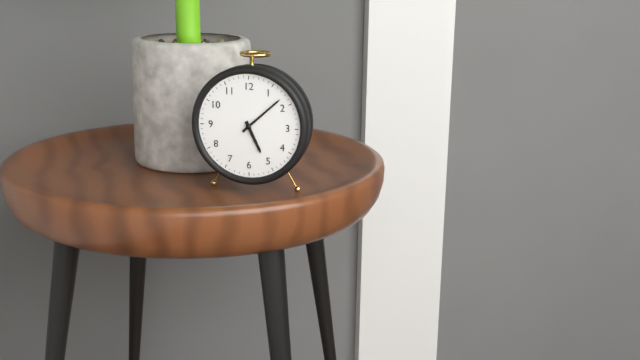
5:08
